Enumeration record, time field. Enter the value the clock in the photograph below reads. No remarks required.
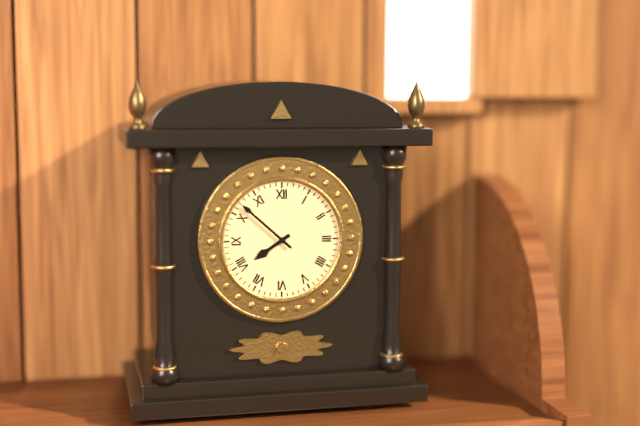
7:52
